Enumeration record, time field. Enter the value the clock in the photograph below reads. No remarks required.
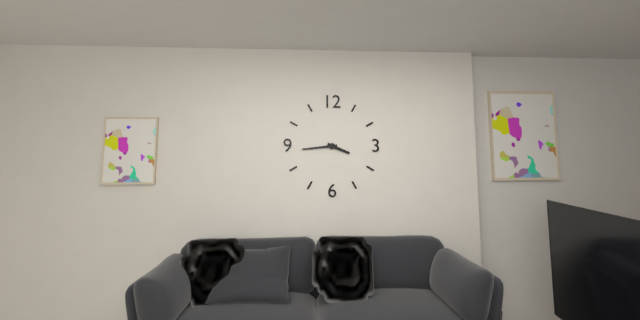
3:44
